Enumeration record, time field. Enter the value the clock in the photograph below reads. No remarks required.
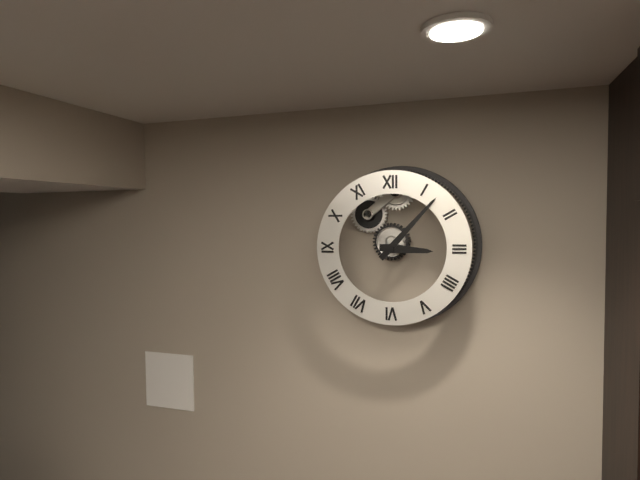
3:07
